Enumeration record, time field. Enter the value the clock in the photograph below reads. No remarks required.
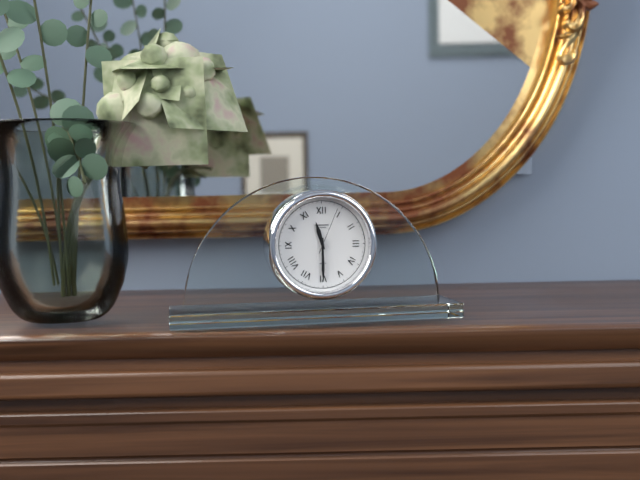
11:30
